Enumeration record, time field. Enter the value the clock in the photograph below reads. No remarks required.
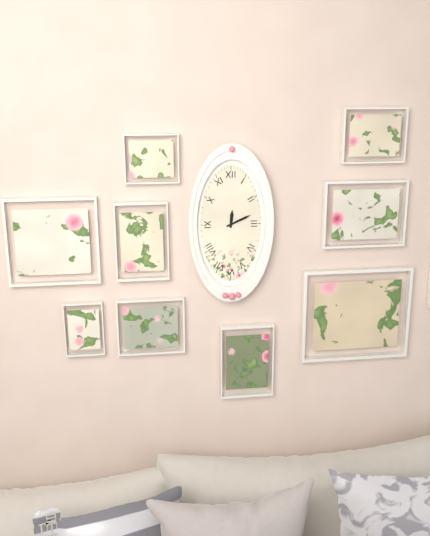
12:11
